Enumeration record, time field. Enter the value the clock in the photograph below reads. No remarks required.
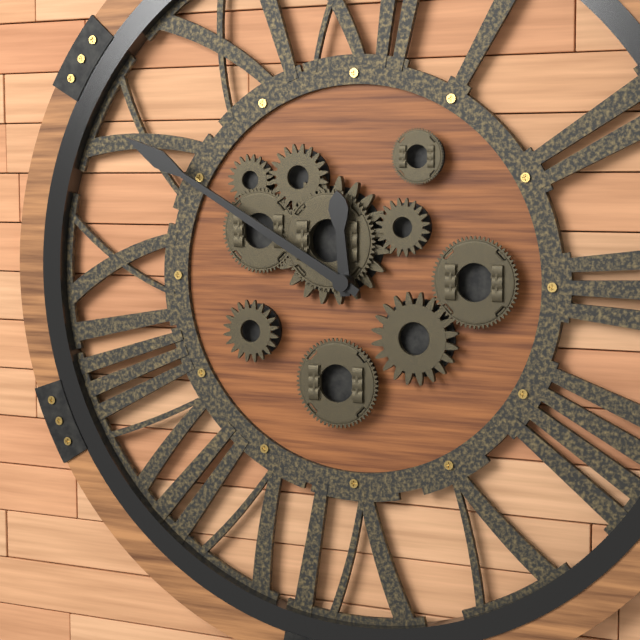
11:50
